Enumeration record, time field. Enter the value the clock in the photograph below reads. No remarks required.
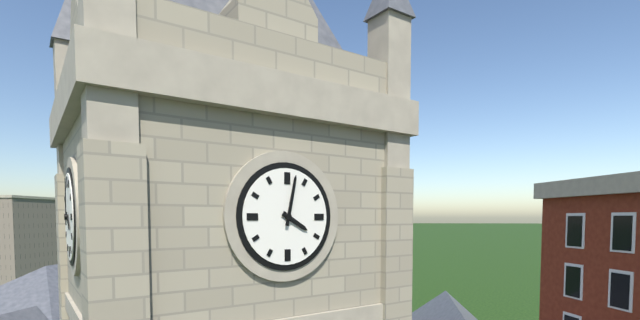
4:02
